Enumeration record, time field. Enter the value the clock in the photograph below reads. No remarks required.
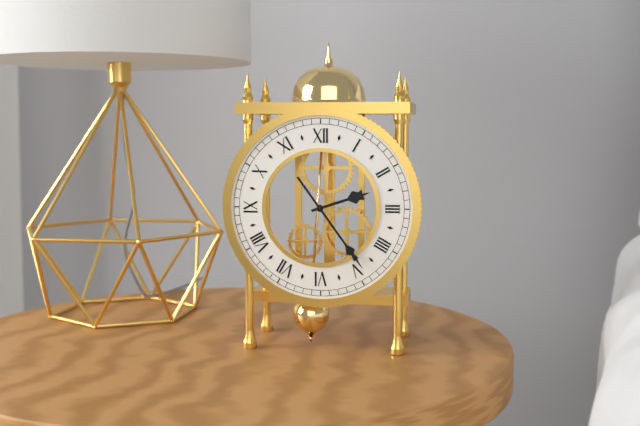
2:24
